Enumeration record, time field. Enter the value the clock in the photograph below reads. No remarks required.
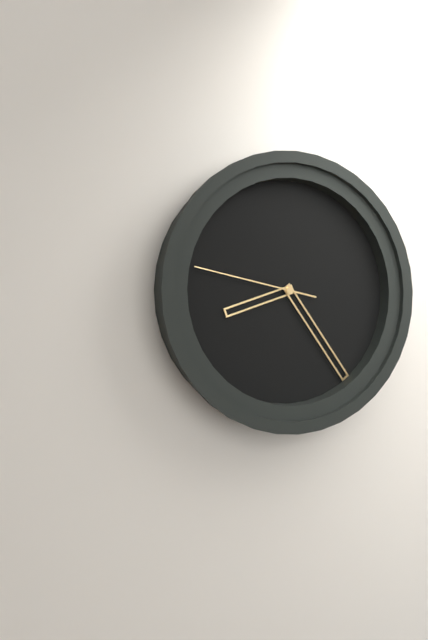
8:24:47
